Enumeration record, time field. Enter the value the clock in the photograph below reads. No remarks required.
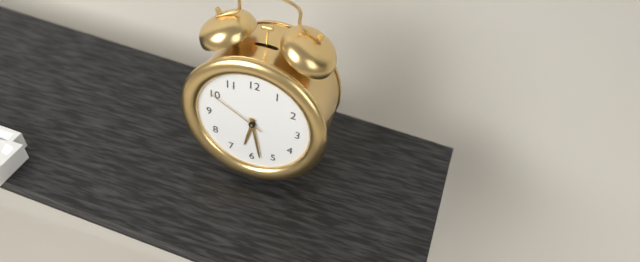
6:28:50
